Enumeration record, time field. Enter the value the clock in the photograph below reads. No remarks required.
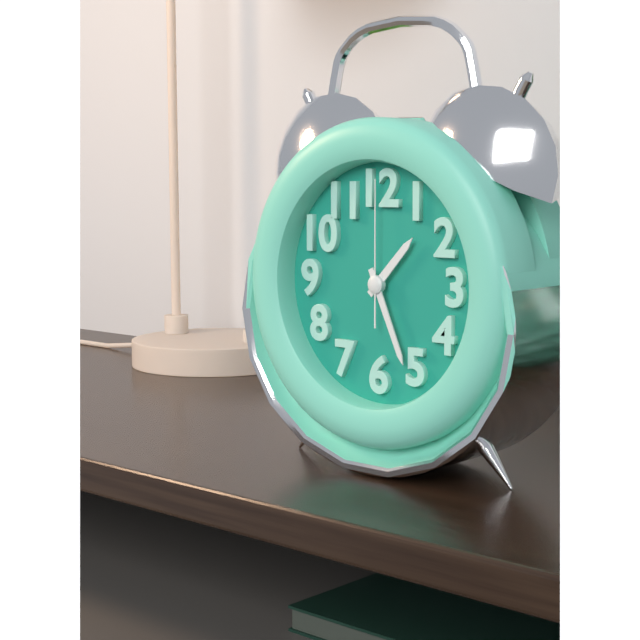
1:26:00
